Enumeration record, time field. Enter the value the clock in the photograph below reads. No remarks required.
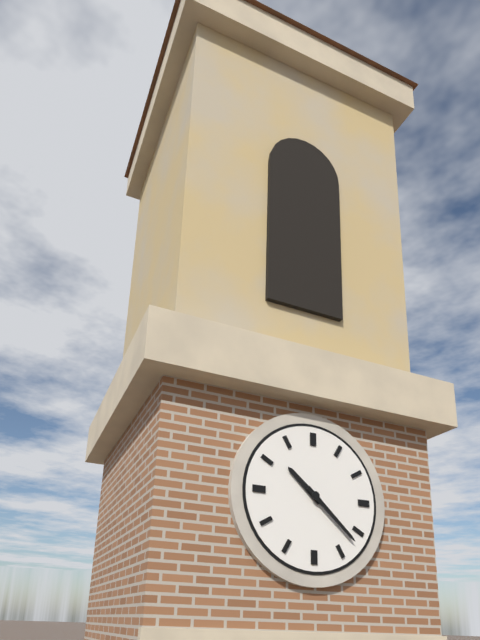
10:22
